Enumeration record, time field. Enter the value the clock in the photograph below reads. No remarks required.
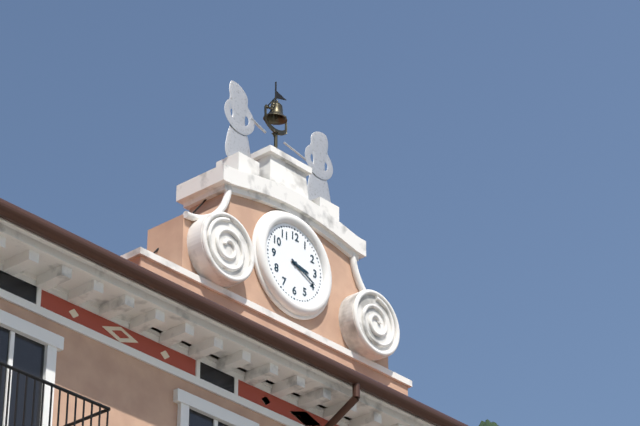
3:19
